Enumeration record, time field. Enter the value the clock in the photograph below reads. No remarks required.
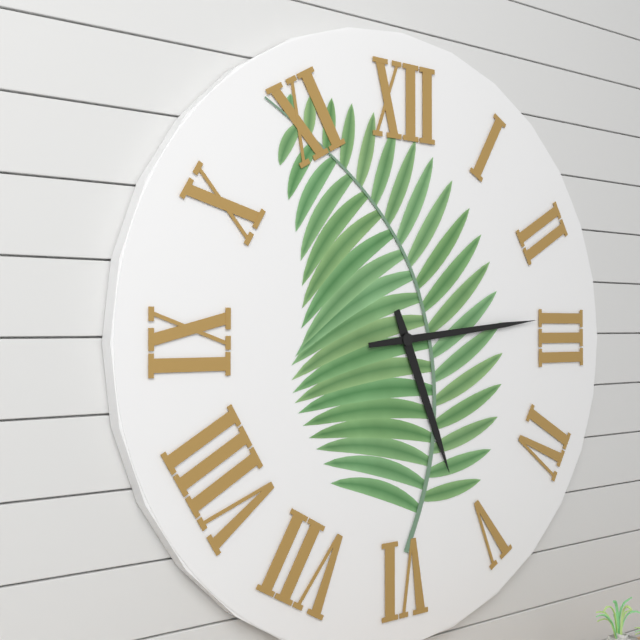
5:14
